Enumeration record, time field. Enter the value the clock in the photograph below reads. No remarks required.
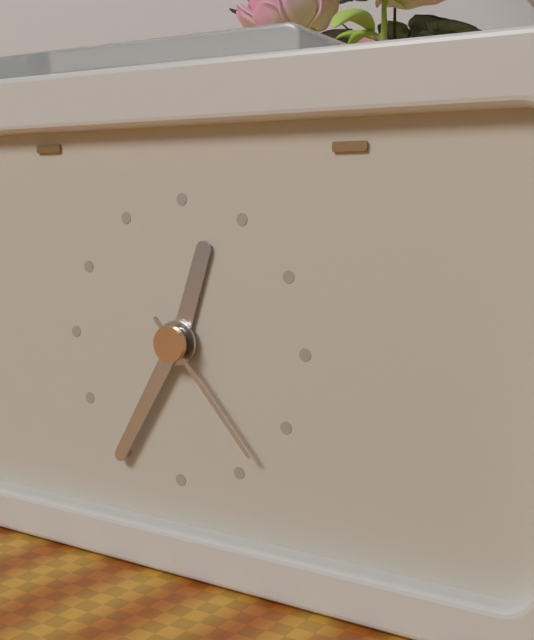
12:35:23
